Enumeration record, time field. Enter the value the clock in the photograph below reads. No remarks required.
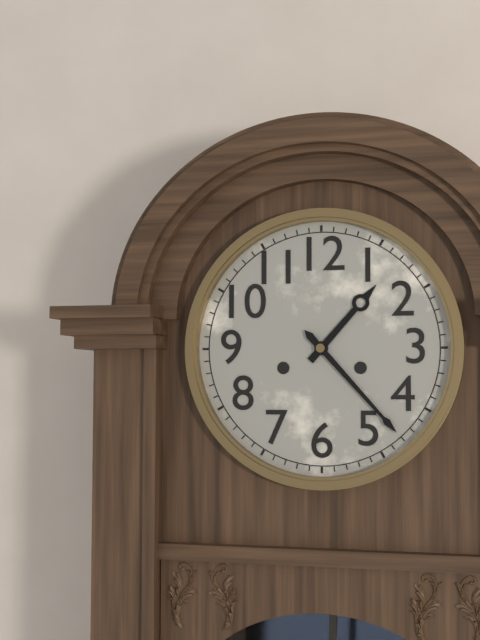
1:23
